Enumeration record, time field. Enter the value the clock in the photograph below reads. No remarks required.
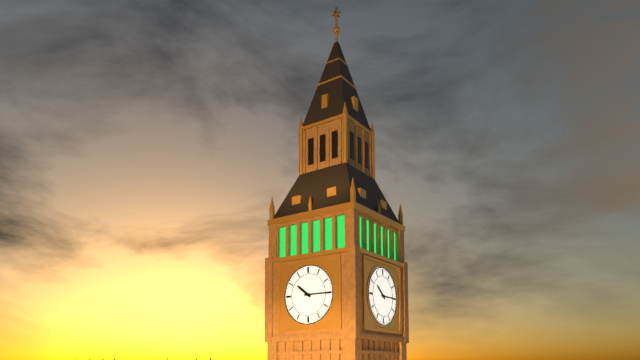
10:15
